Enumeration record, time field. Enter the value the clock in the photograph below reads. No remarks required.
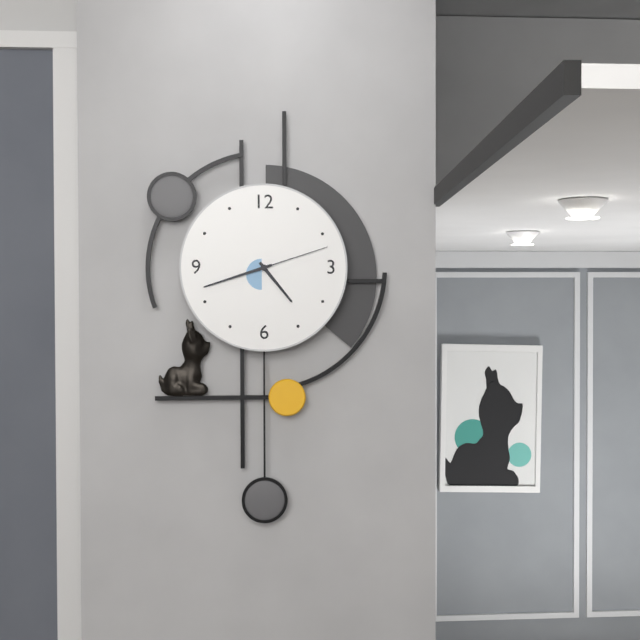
4:42:12
